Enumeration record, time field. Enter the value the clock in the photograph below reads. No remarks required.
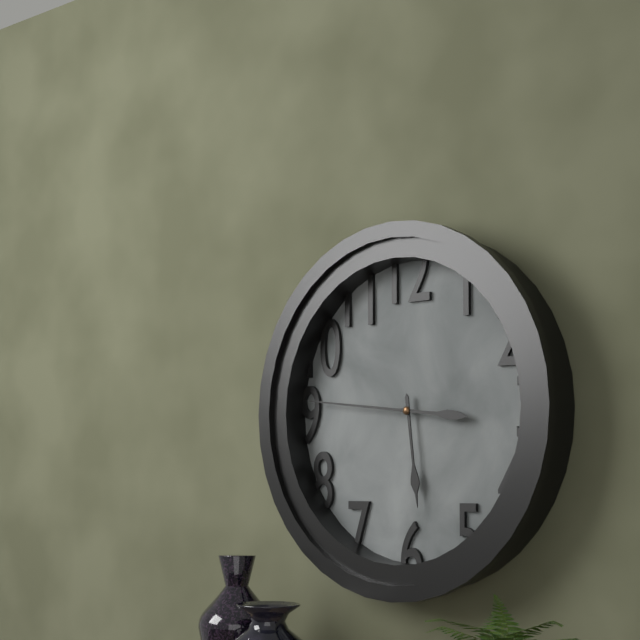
5:46
